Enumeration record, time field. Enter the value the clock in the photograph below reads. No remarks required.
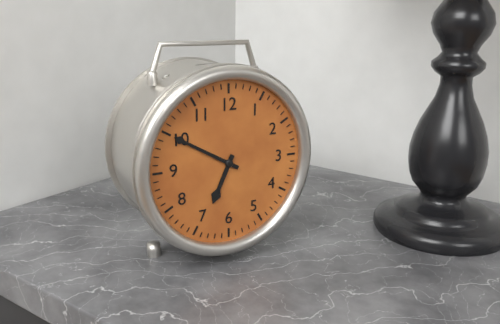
6:50
